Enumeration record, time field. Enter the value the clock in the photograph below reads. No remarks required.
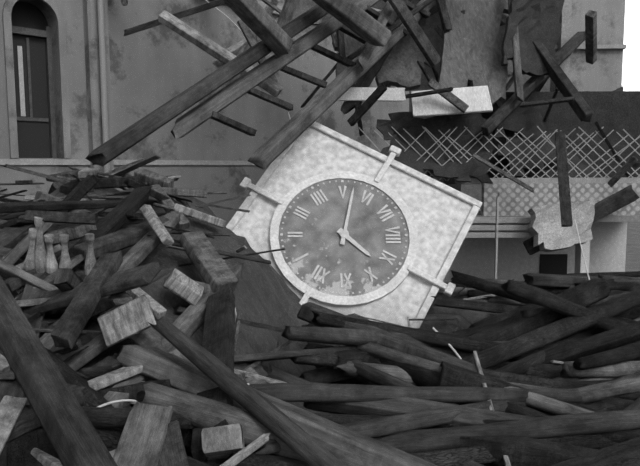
9:27
